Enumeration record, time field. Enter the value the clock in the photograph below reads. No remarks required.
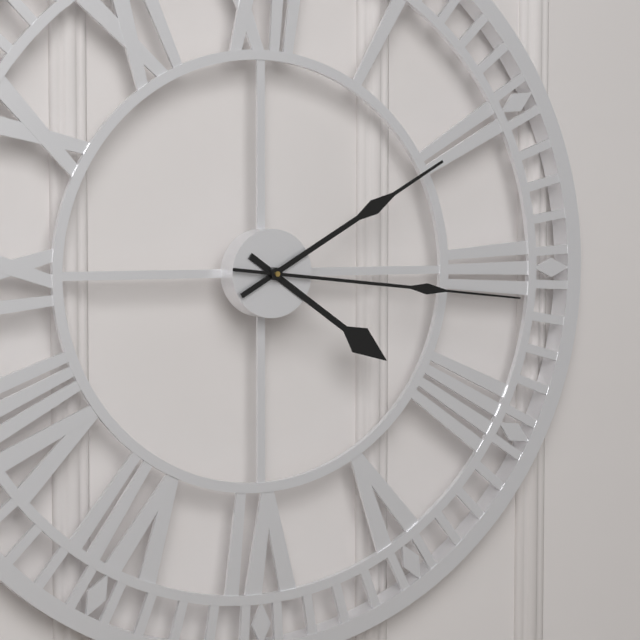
4:10:16
